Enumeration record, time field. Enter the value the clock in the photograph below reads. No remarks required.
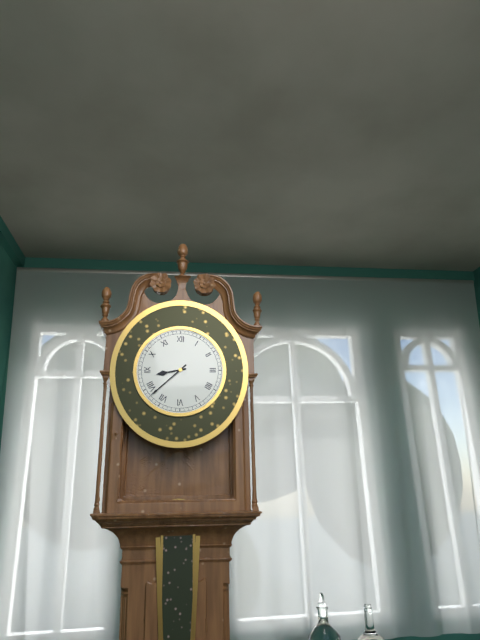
8:38
